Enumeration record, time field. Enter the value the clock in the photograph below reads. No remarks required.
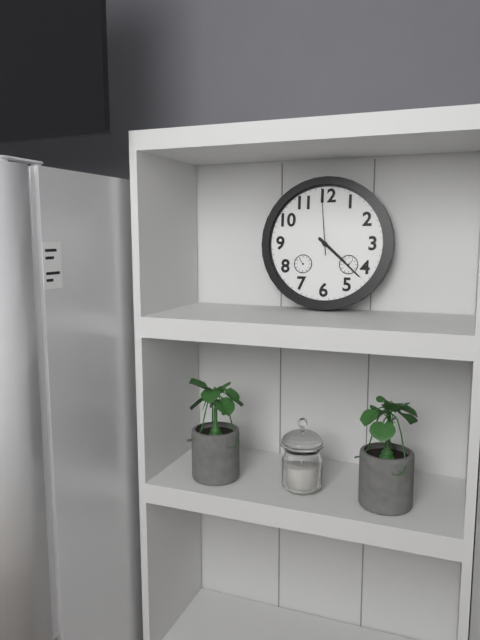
4:22:59
